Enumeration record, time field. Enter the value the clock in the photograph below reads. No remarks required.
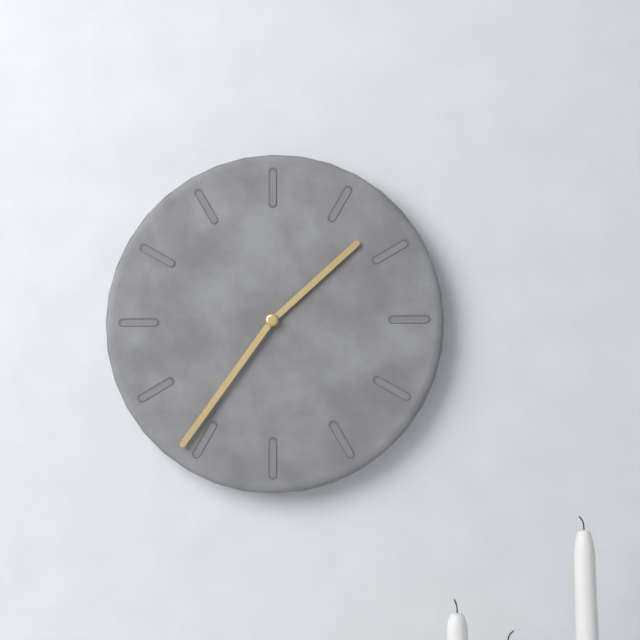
1:36
